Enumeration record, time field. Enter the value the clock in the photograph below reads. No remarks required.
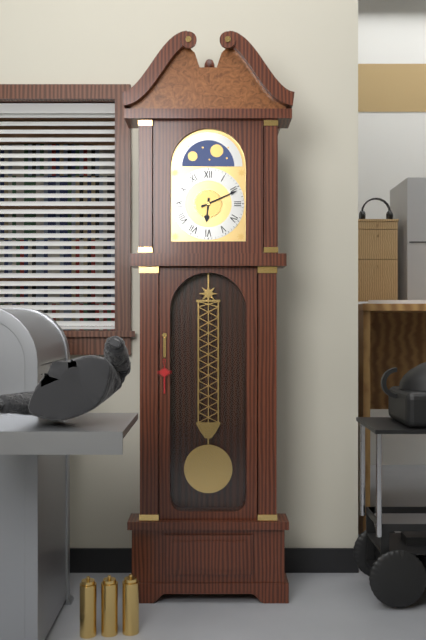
6:11
